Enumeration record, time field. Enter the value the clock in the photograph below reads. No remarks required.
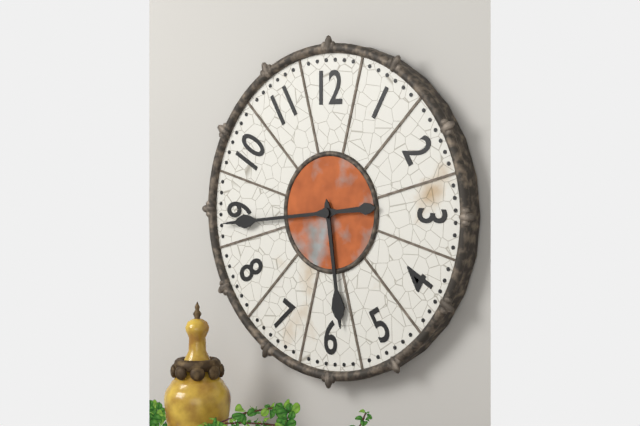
5:44
